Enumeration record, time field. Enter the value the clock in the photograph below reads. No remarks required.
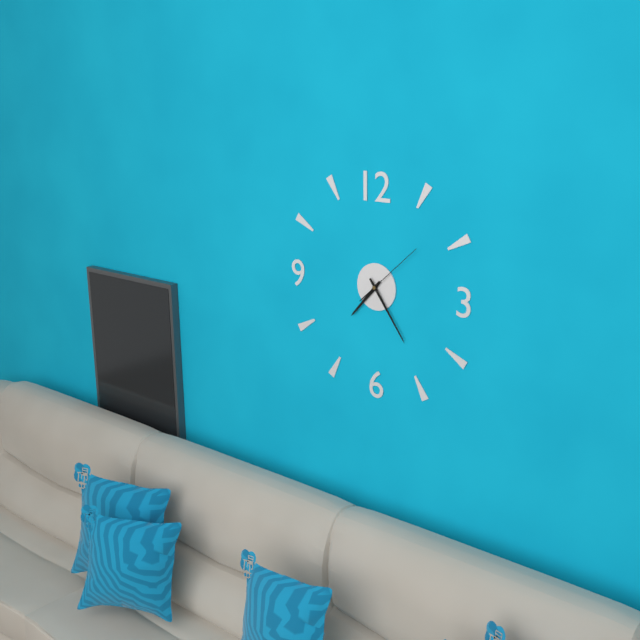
7:24:08
